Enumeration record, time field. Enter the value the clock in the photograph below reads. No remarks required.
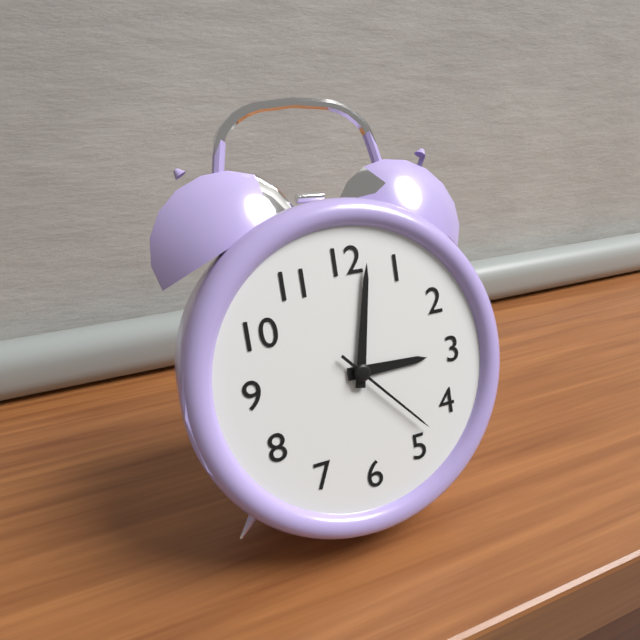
3:02:23
